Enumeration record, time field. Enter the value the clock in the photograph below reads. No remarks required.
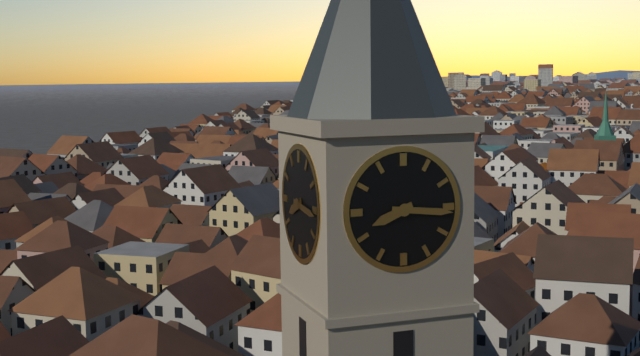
8:16
